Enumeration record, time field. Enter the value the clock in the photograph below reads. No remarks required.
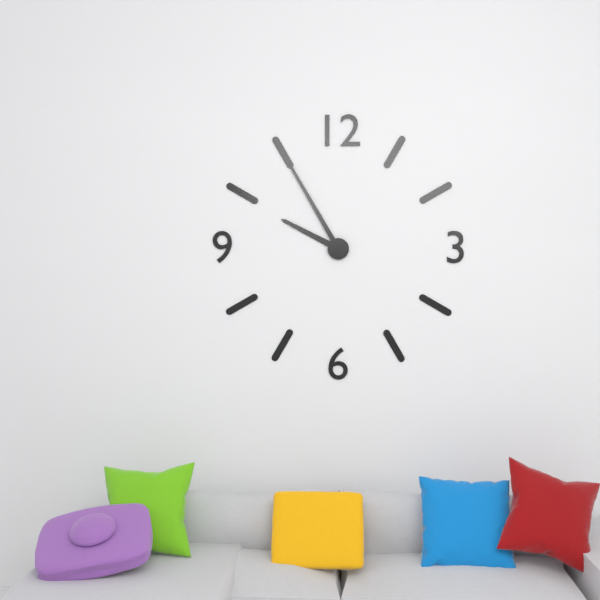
9:55
